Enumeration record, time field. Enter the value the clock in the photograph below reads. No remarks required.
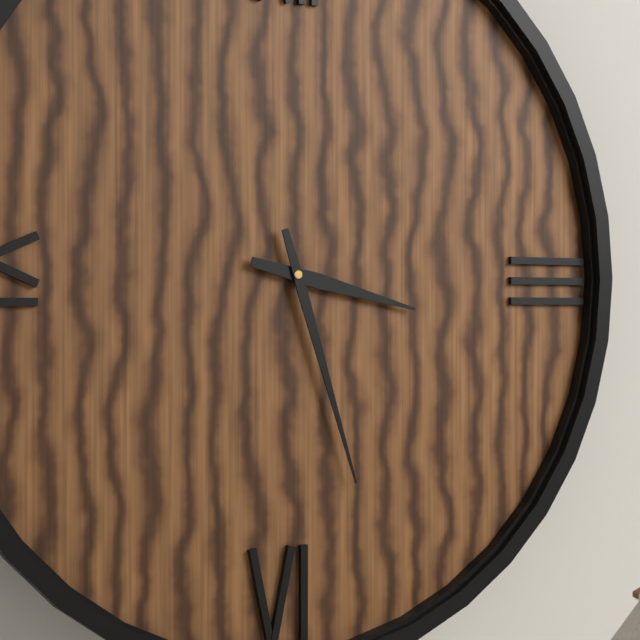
3:27
